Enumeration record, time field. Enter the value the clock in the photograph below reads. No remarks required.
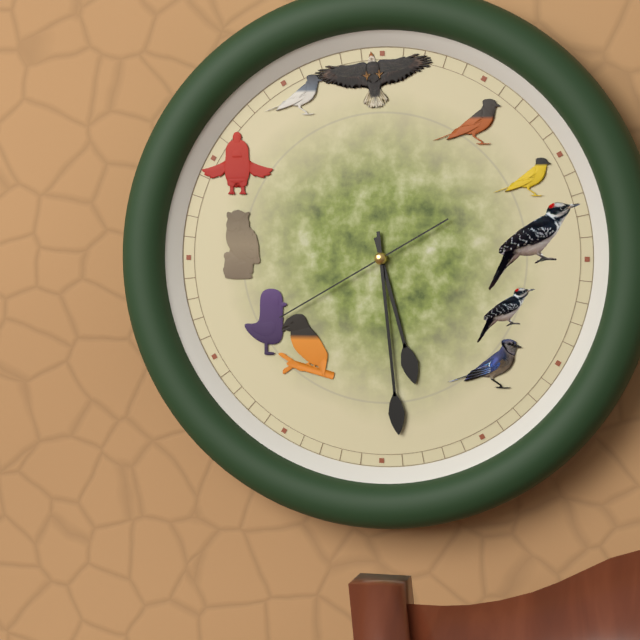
5:29:40
